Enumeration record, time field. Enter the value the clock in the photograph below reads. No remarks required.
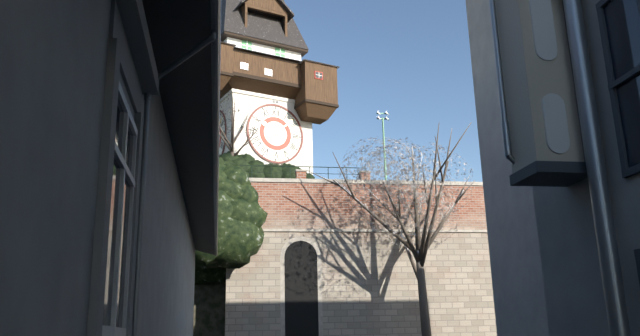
10:08
